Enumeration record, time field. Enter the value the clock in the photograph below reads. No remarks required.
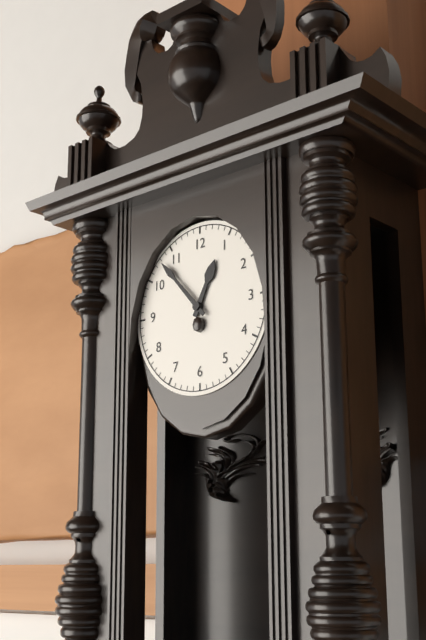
12:53
